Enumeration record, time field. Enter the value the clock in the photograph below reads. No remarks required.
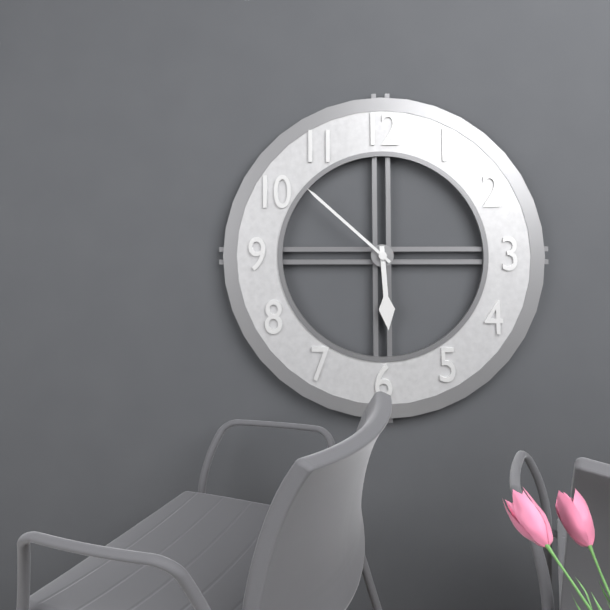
5:52
